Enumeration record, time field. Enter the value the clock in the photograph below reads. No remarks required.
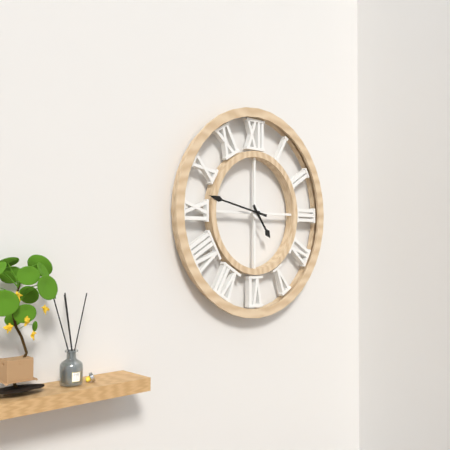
4:47
